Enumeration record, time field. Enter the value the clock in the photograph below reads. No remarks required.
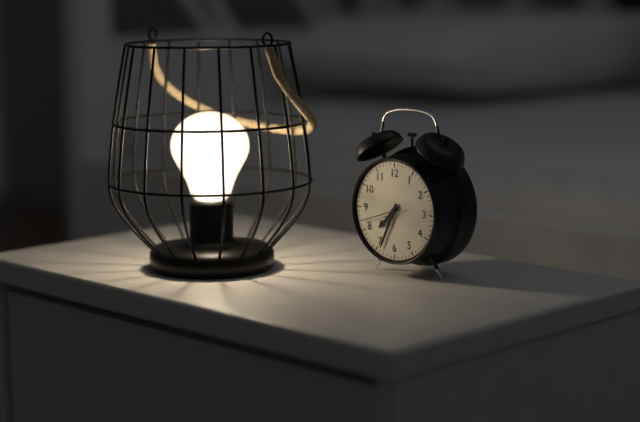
7:34
